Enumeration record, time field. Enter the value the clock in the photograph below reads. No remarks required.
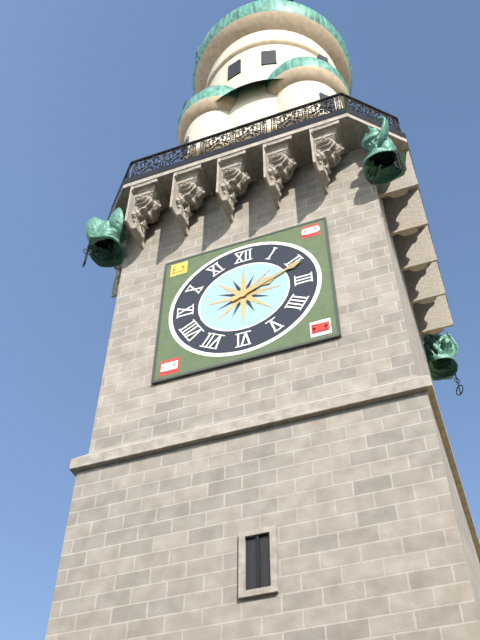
2:11
